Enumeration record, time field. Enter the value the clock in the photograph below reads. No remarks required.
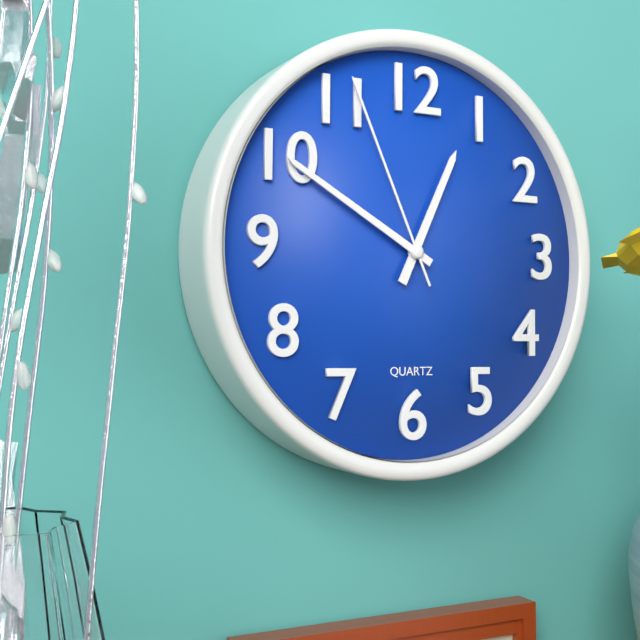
12:50:56
